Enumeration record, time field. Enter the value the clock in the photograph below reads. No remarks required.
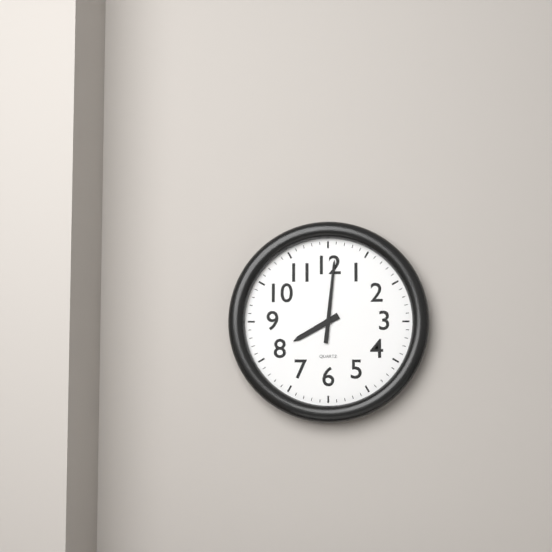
8:01
